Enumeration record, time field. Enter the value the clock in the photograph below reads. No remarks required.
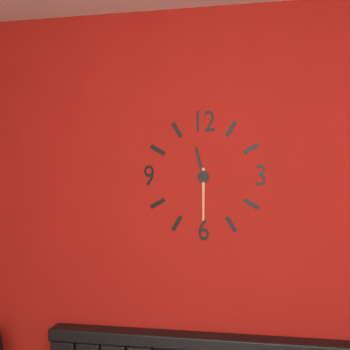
11:30
